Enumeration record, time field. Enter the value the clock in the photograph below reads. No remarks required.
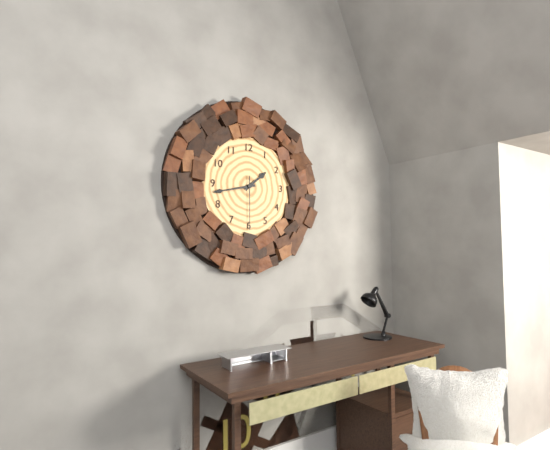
1:43:30
